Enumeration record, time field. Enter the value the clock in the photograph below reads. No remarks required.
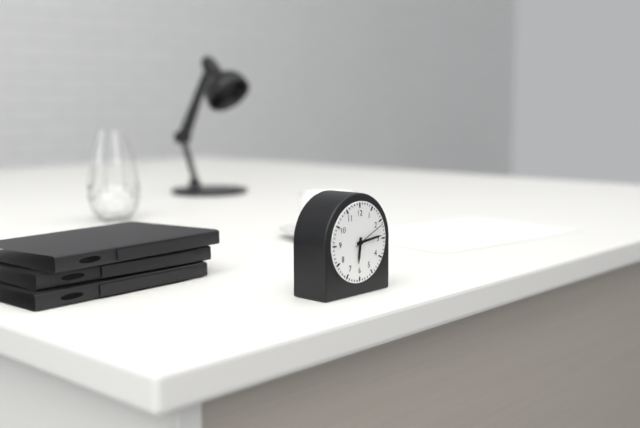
6:14:11
